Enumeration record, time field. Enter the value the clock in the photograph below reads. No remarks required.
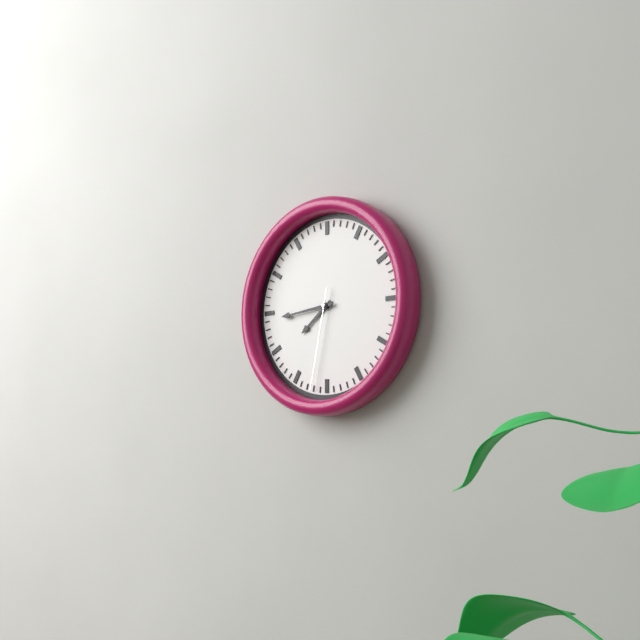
7:44:32
